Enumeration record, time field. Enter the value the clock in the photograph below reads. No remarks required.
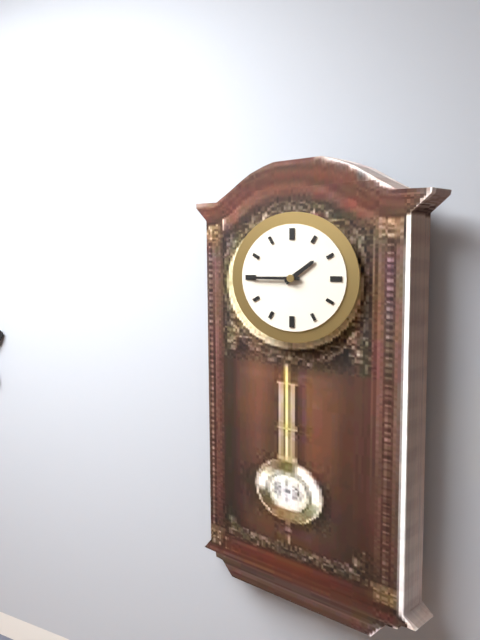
1:45
